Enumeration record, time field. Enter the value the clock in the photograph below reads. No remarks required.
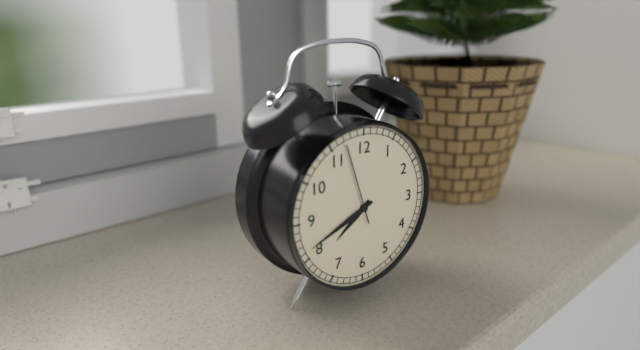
7:41:57
